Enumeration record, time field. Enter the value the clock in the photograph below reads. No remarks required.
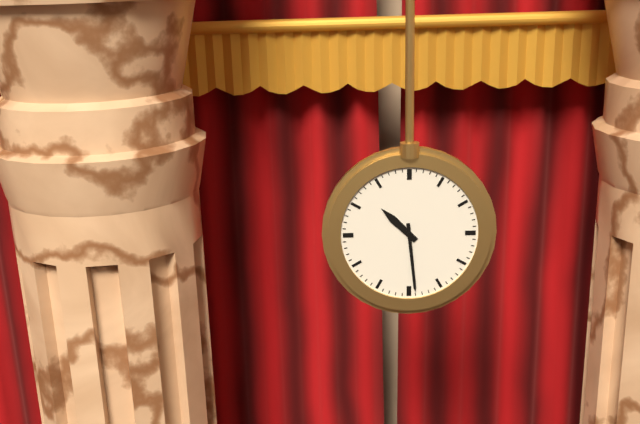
10:29
